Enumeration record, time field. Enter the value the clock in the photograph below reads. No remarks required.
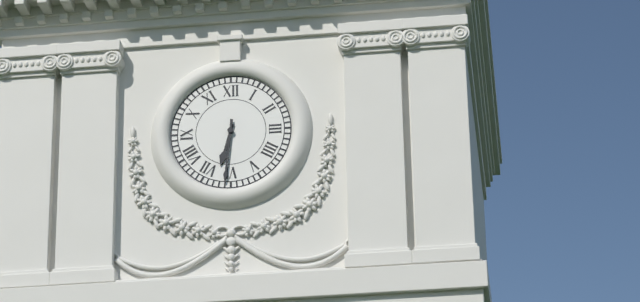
6:31
